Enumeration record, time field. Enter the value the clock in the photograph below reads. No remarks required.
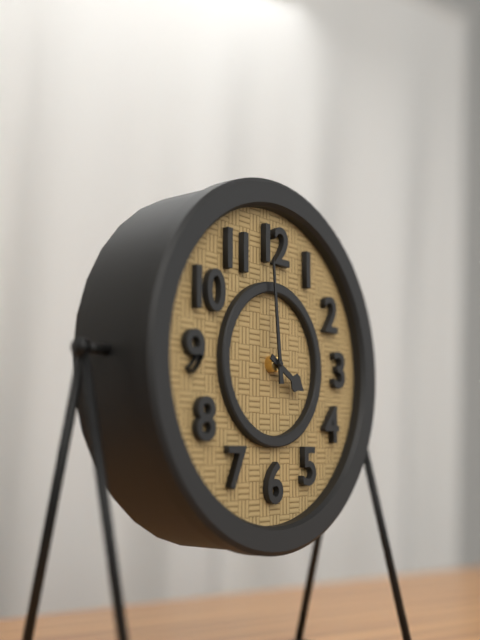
3:59
